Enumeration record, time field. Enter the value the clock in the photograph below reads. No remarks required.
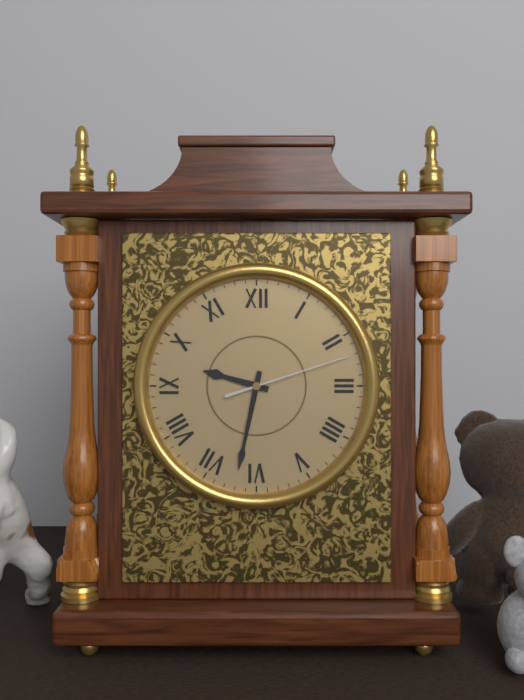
9:32:12
